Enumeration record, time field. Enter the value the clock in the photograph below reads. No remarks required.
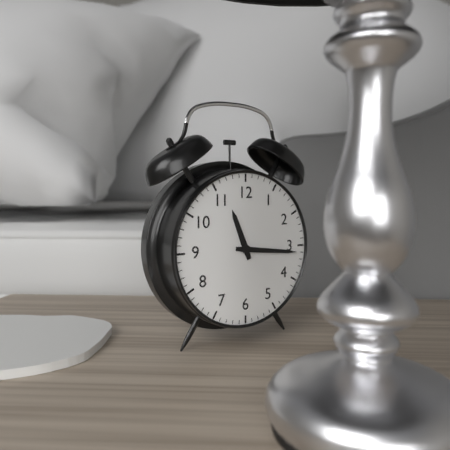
11:16
